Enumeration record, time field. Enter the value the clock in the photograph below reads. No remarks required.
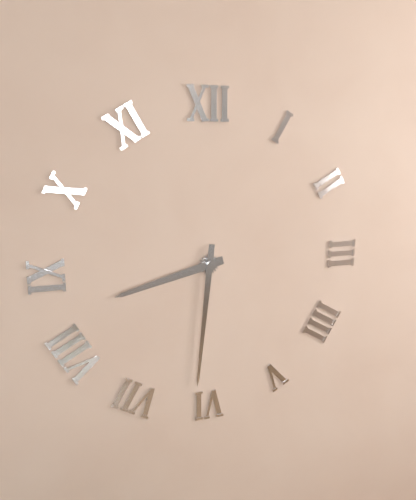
8:31
